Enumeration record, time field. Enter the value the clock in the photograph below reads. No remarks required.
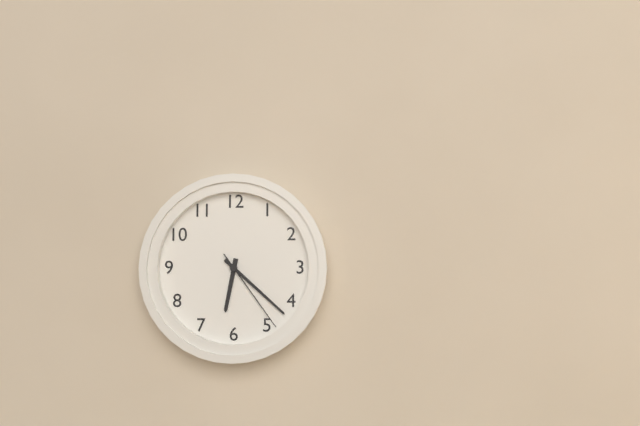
6:22:24
